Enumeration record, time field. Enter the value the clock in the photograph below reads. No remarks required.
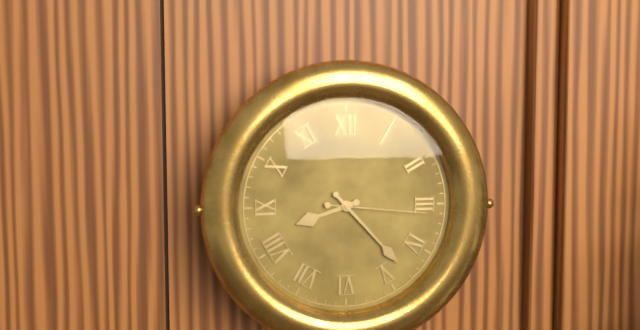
8:23:16
